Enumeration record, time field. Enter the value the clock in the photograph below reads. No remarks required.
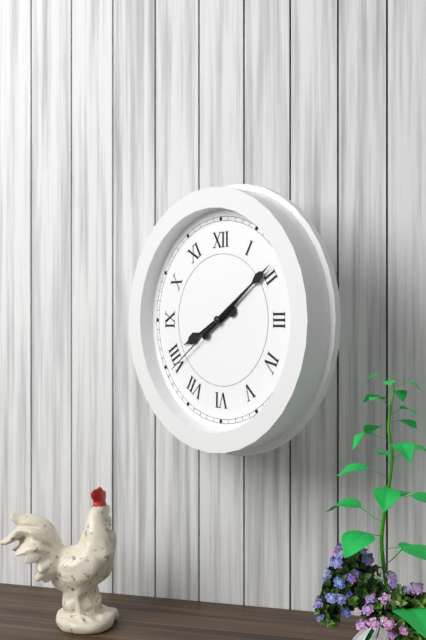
8:09:39
